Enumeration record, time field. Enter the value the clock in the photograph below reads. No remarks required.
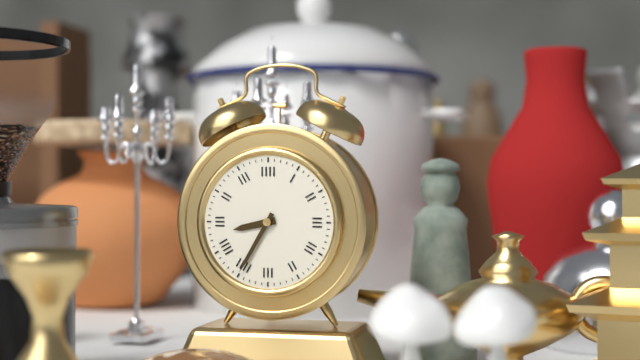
8:35
